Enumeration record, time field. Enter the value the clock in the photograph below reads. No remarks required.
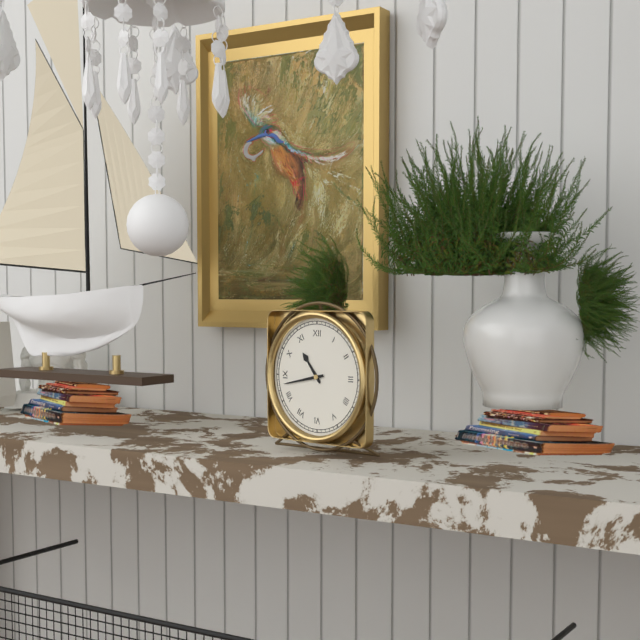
10:43
